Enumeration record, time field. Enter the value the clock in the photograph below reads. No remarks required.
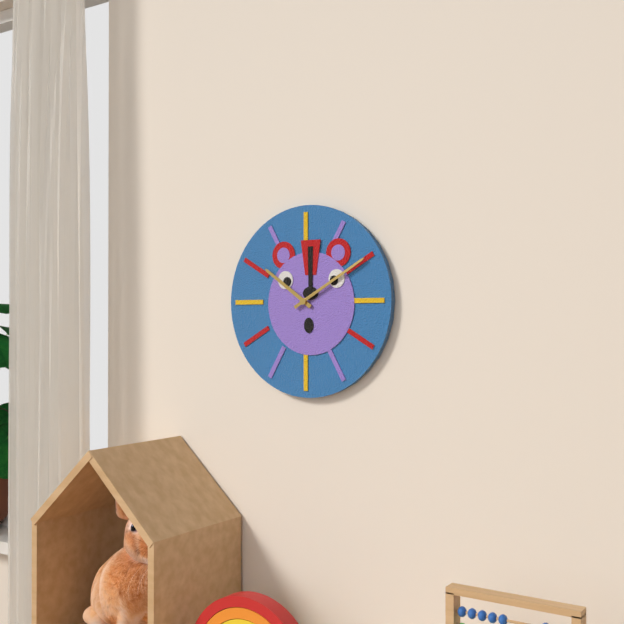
10:10
